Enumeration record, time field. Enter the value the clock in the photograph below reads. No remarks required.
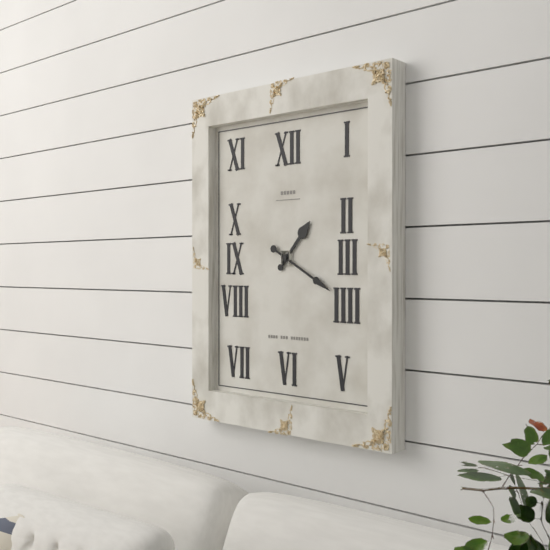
1:20
